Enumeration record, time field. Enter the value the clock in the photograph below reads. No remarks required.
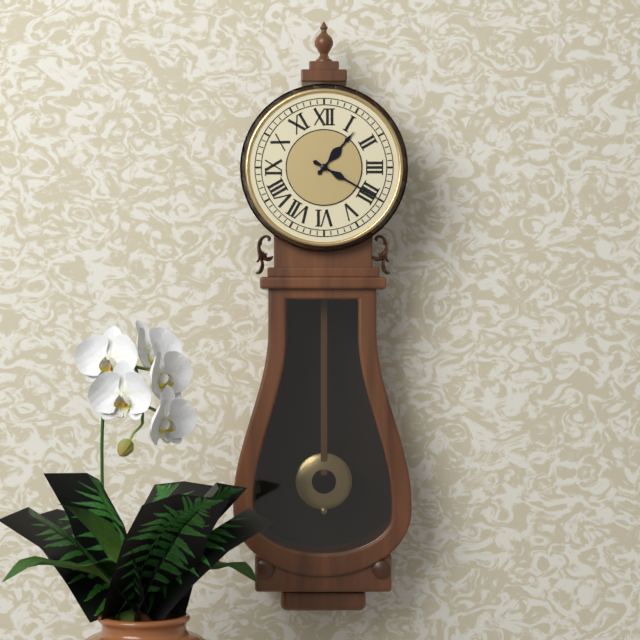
1:20
